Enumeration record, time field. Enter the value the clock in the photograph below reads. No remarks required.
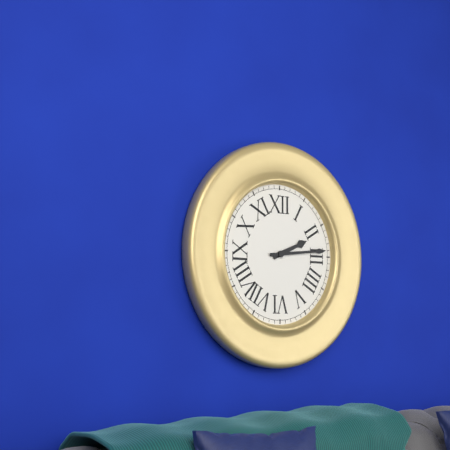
2:14
